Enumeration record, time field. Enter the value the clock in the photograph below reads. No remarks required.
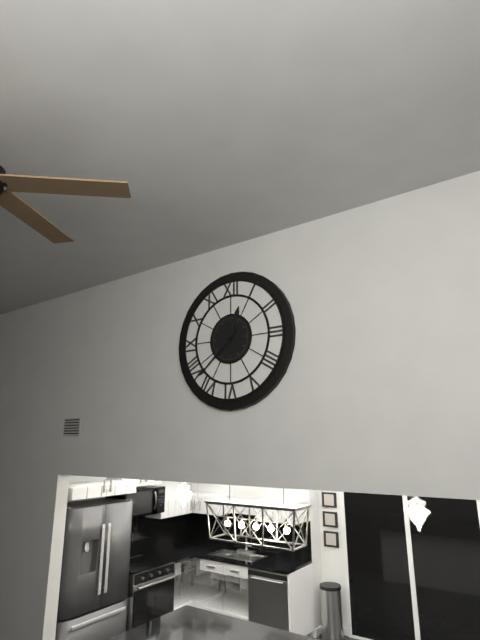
12:38
